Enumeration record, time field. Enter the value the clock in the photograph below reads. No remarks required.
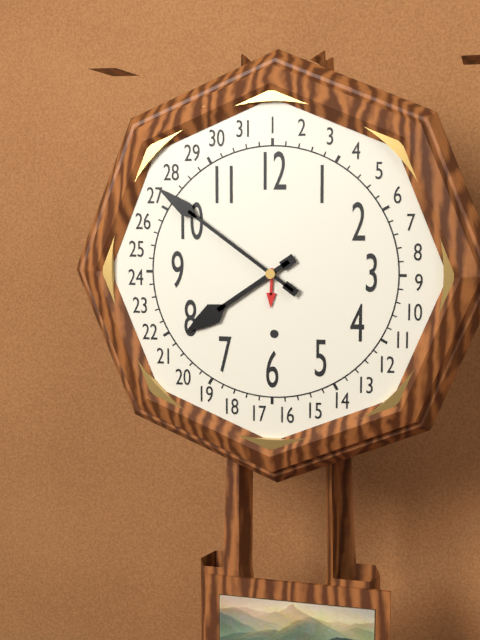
7:51
